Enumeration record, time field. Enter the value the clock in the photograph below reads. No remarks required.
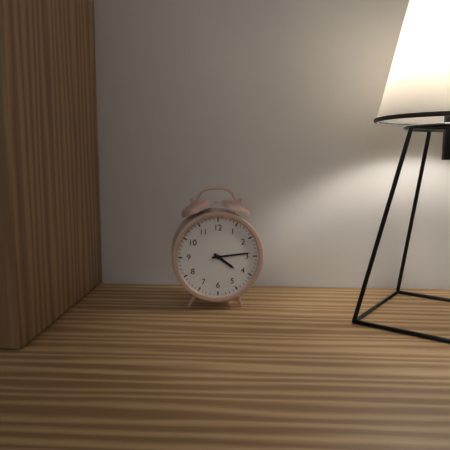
4:14
